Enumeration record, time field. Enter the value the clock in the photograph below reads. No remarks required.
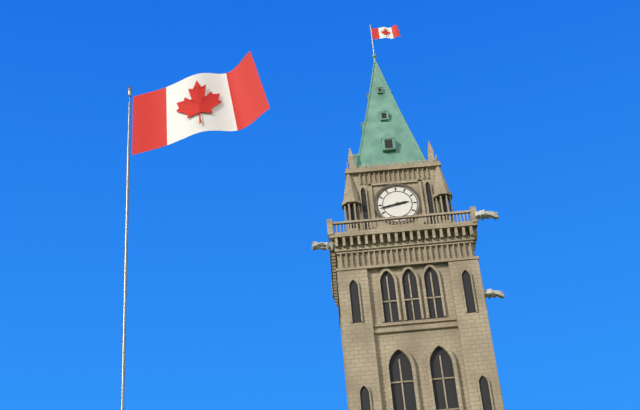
2:43
